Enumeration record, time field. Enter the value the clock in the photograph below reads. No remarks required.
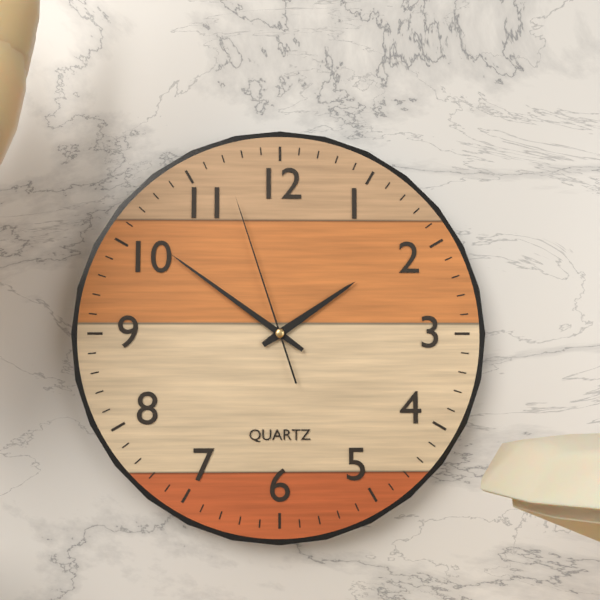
1:51:57
